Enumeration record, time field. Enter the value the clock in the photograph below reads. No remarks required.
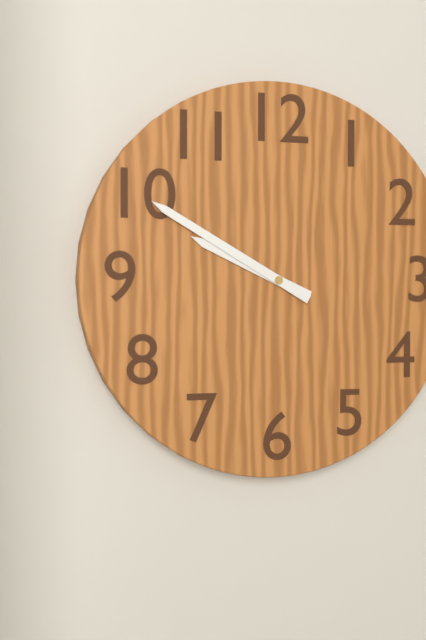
9:50
